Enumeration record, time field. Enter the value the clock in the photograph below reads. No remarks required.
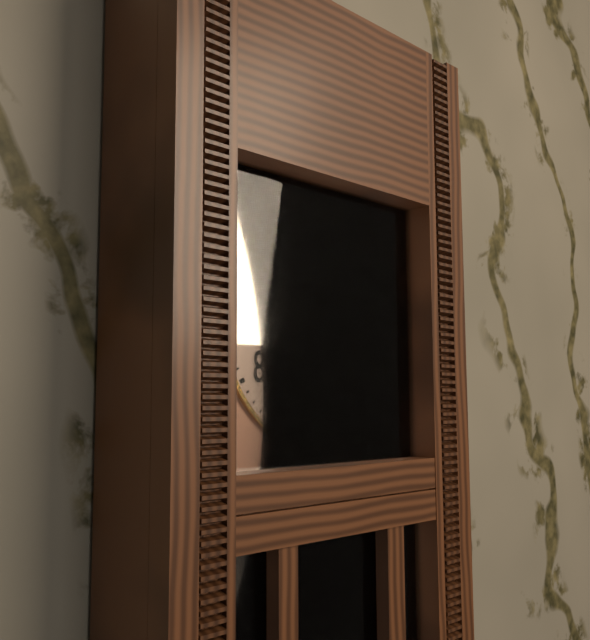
2:10
